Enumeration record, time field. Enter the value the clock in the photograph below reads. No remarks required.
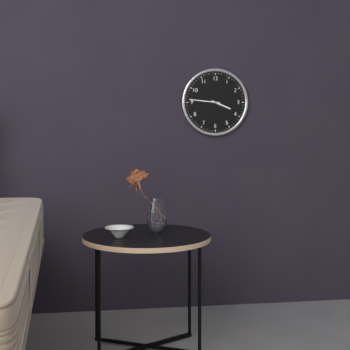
3:46
